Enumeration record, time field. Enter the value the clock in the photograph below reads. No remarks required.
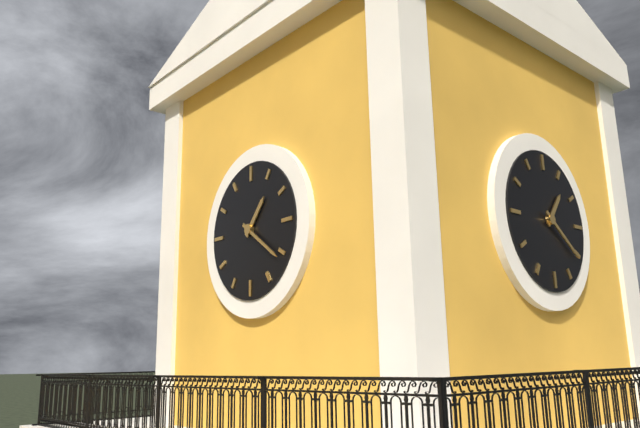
1:21
